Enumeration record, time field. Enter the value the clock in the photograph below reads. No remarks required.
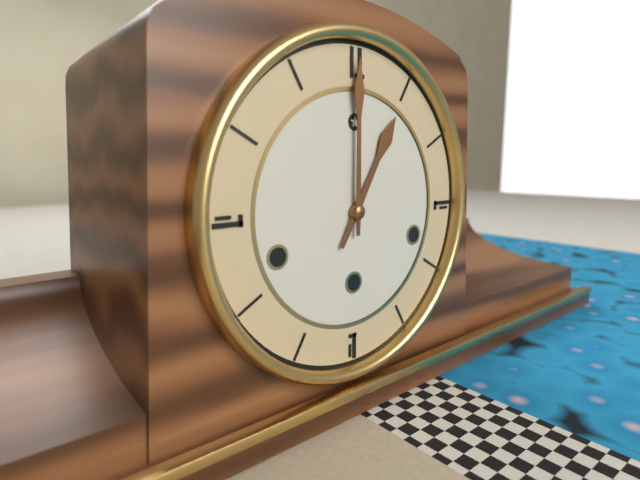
1:00
